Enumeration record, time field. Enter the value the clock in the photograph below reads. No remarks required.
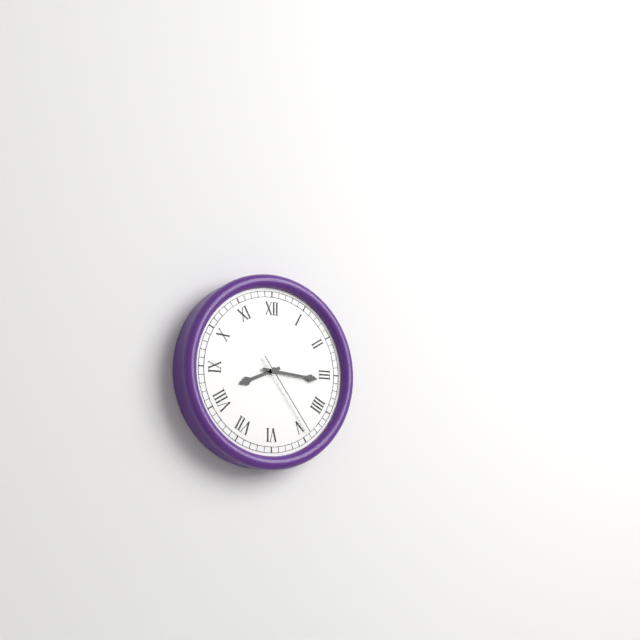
8:16:24
